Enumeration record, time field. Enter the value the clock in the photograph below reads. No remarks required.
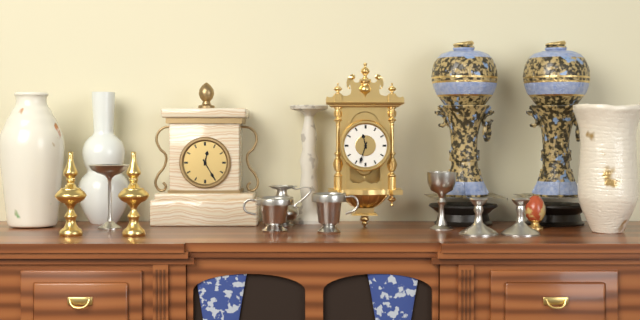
11:33
